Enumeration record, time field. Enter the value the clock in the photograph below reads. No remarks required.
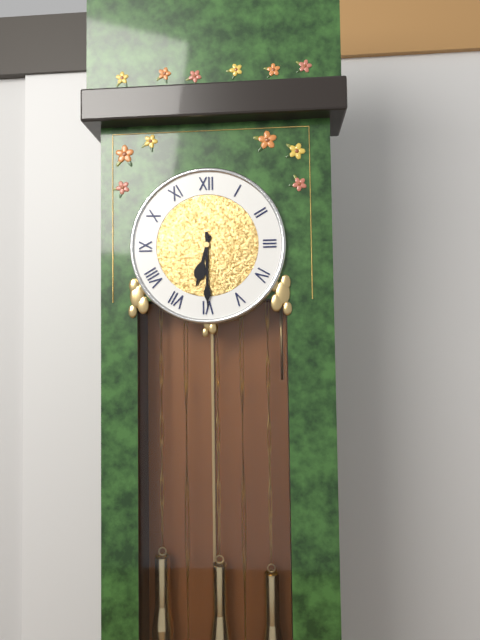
6:30
